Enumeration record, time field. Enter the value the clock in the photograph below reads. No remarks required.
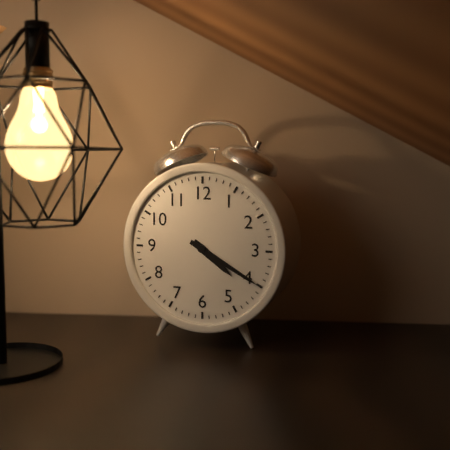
4:20
